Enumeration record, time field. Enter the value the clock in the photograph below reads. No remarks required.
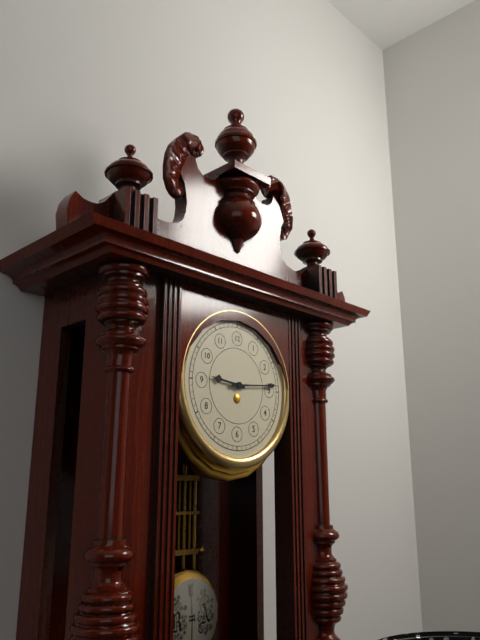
9:14
